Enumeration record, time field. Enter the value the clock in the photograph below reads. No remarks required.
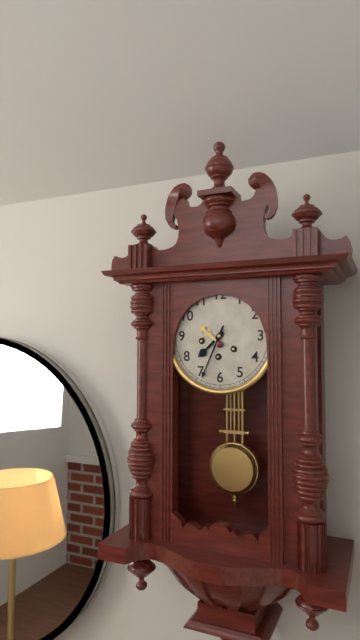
7:34
